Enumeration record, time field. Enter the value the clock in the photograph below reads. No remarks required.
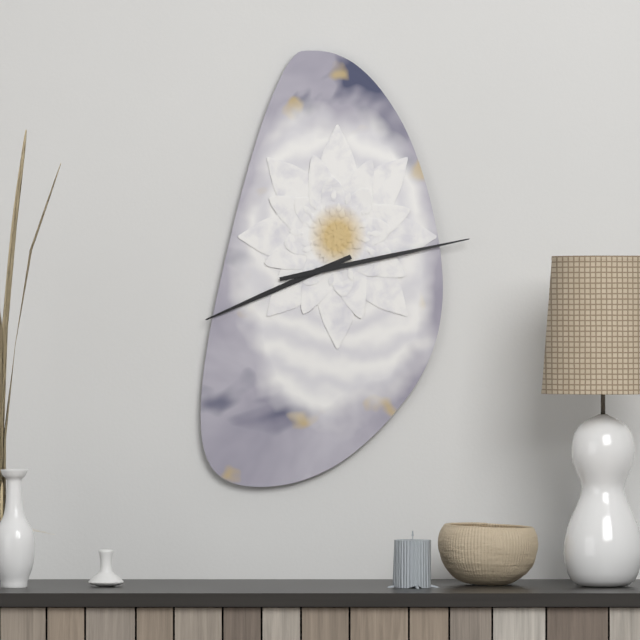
8:13
